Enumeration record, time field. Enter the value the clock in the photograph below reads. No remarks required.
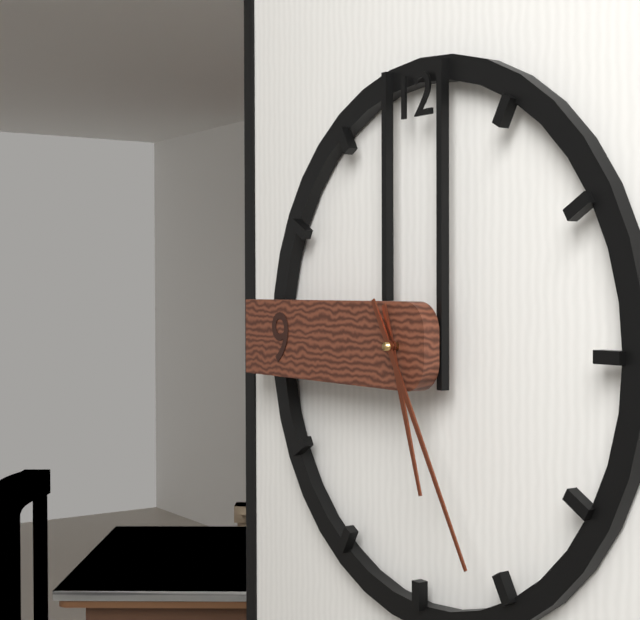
5:25
